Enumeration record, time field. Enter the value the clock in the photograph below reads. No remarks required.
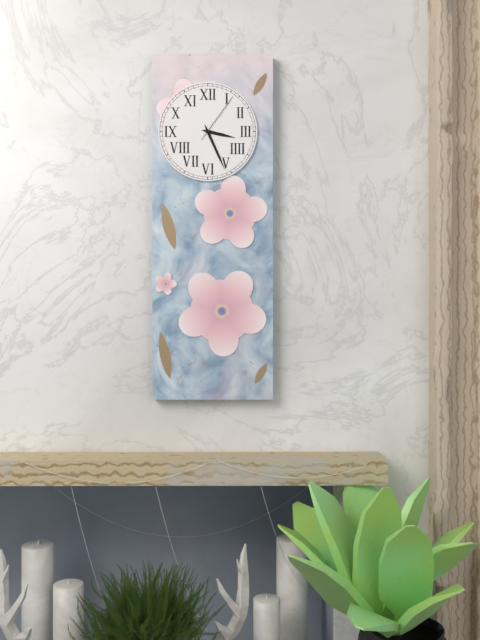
3:26:06
